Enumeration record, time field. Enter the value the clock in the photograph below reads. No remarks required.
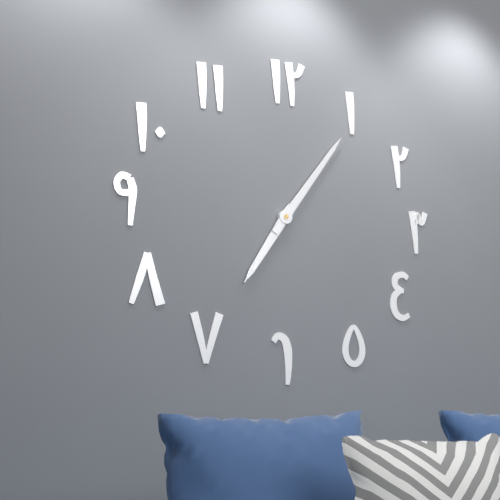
7:06
